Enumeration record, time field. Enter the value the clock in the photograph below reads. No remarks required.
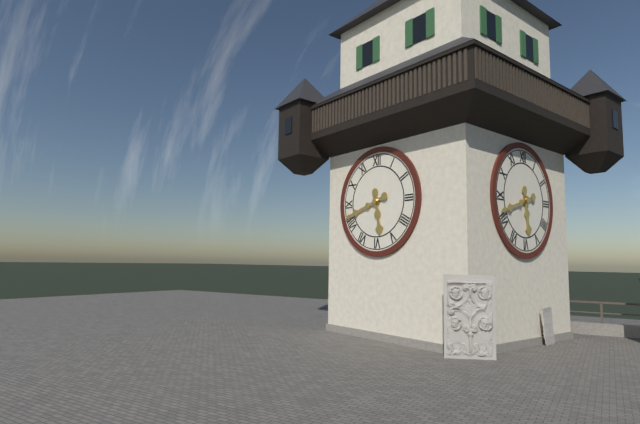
5:42
